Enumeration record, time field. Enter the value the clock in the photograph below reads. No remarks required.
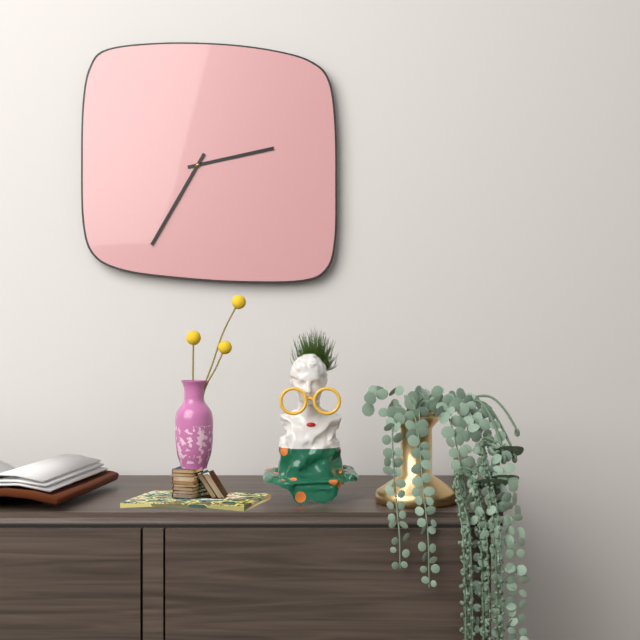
2:35
